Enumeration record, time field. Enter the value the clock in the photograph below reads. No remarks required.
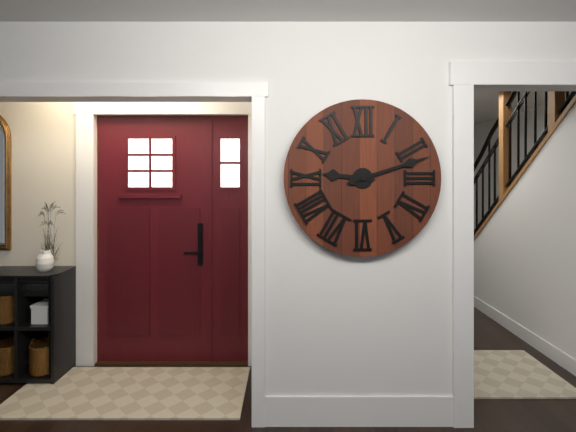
9:12
